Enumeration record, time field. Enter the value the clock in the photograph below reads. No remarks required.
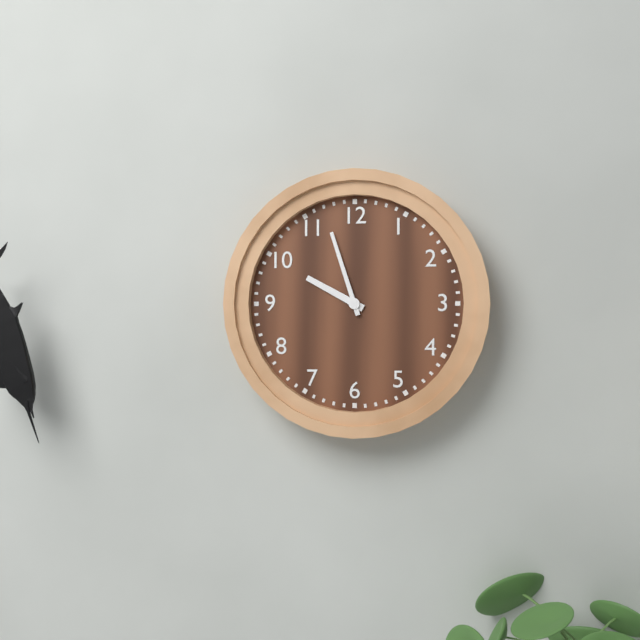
9:57
